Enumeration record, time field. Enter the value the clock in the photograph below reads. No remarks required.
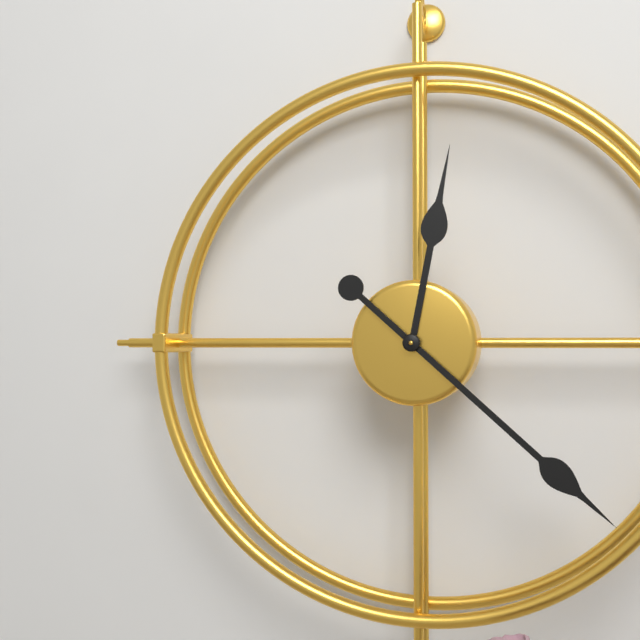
12:22
